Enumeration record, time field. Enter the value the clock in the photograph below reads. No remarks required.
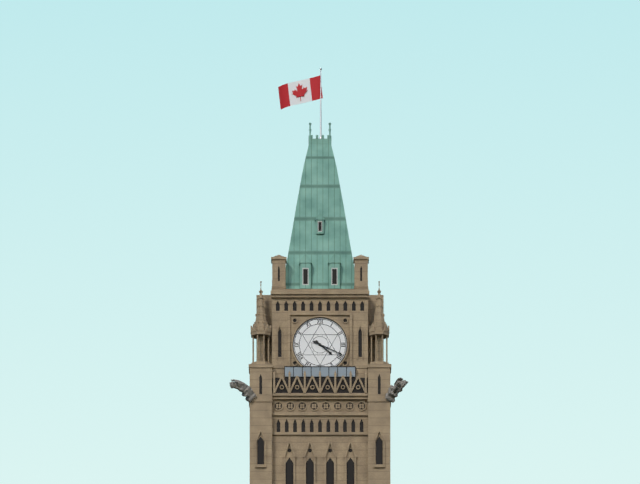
4:19
